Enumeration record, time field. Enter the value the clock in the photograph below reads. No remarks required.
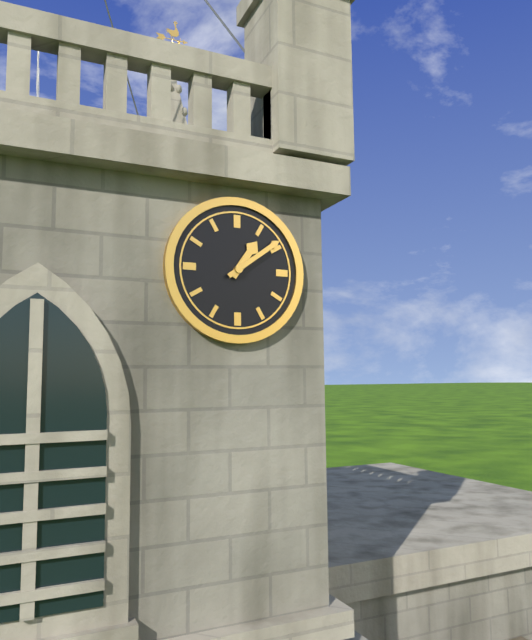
1:09
